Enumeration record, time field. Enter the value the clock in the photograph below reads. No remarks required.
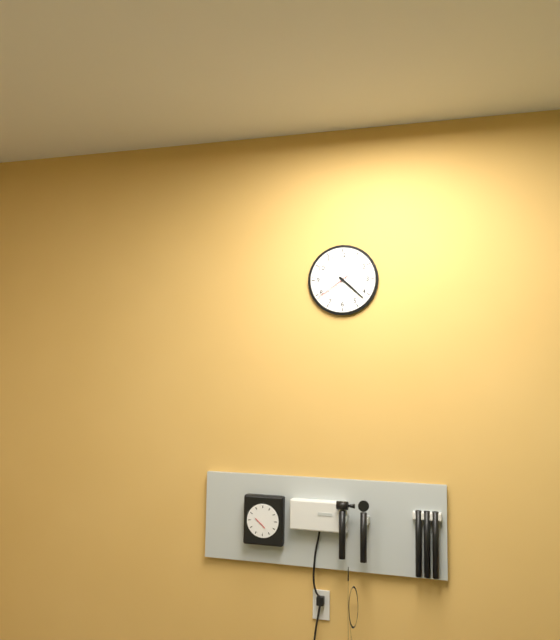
4:22
